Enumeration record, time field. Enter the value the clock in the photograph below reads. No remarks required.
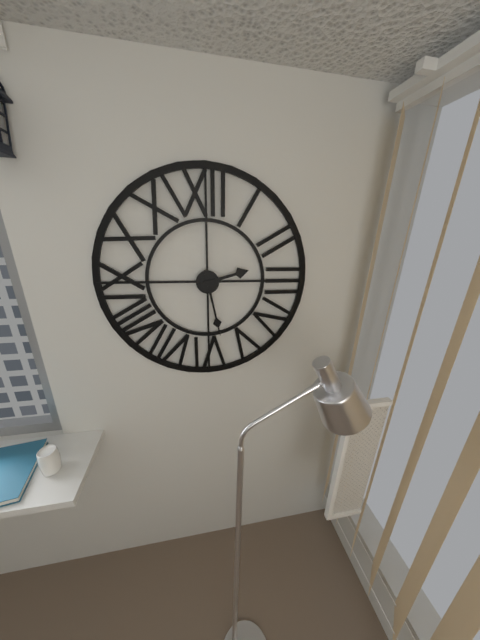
2:28
